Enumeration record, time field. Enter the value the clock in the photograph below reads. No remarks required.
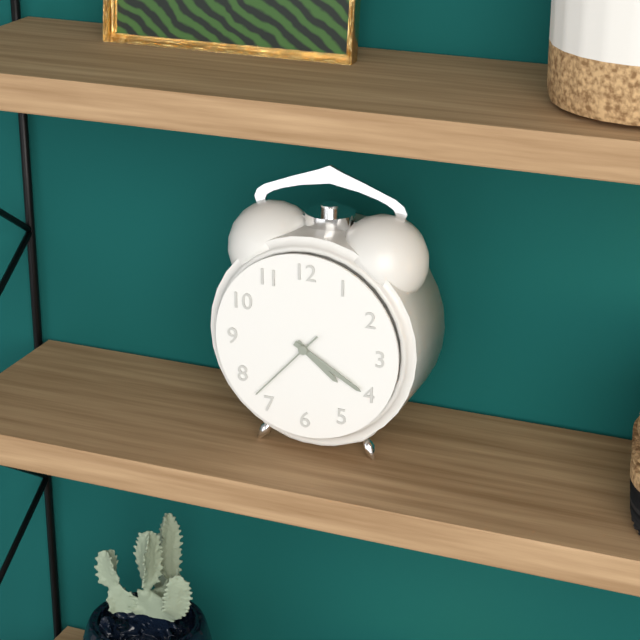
4:20:37
